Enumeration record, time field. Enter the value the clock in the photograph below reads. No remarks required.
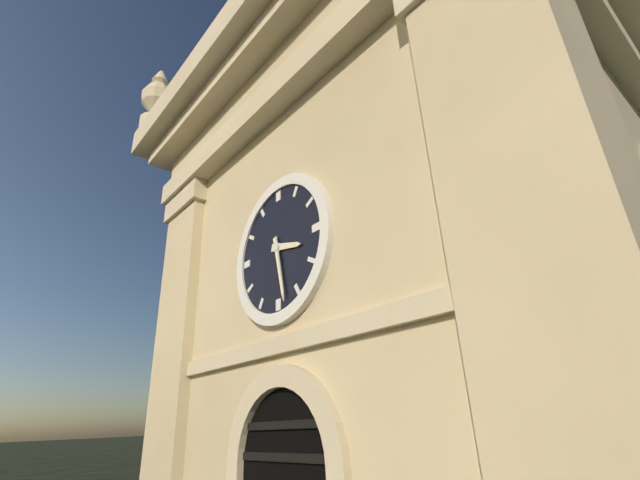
3:28
